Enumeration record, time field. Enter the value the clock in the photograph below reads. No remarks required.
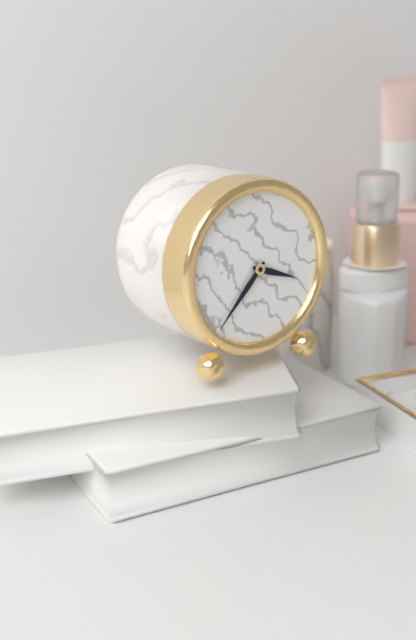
3:37
